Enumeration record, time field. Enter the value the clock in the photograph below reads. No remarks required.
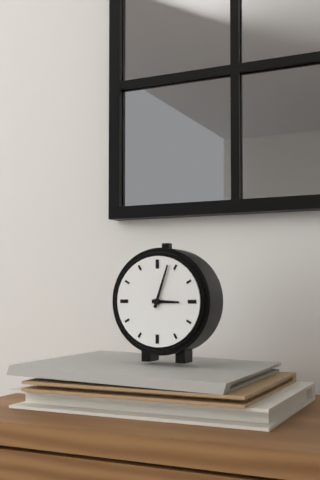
3:03
